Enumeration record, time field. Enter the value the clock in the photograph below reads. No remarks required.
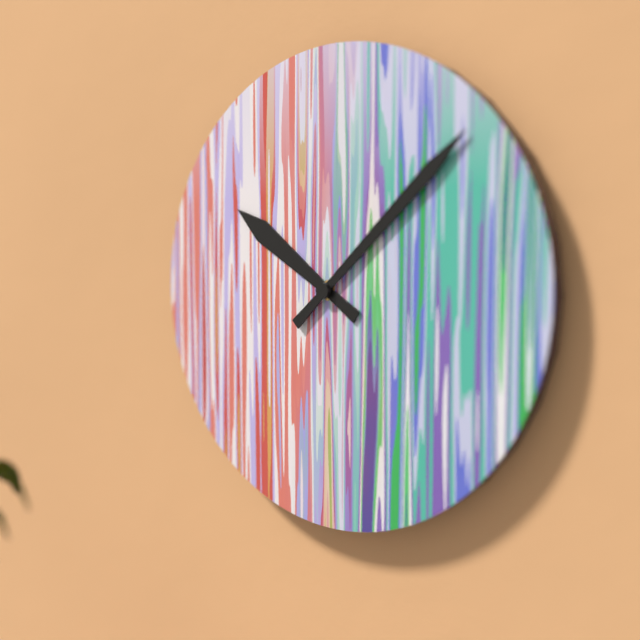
10:08
